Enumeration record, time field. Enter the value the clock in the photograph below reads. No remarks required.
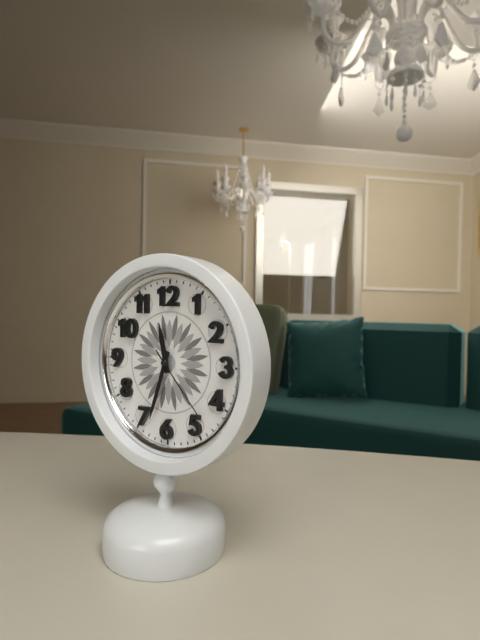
11:33:23
